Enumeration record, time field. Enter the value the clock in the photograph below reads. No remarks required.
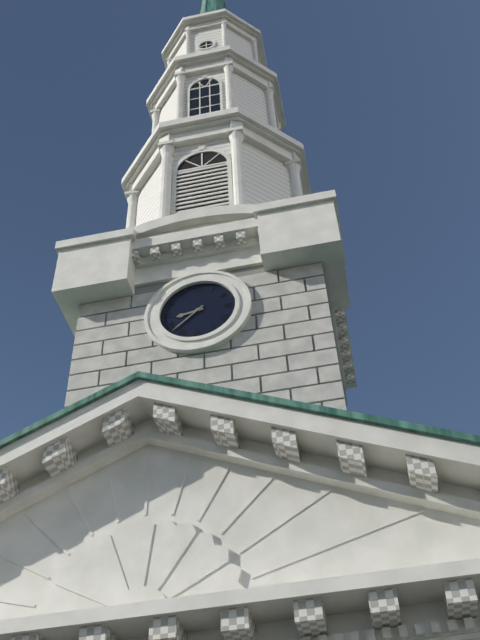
8:38
